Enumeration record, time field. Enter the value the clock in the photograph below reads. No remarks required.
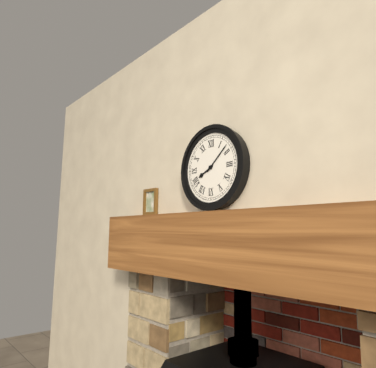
8:08
